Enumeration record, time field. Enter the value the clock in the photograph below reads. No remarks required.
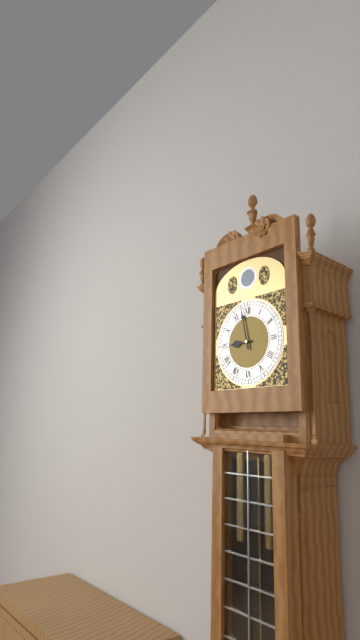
8:58
